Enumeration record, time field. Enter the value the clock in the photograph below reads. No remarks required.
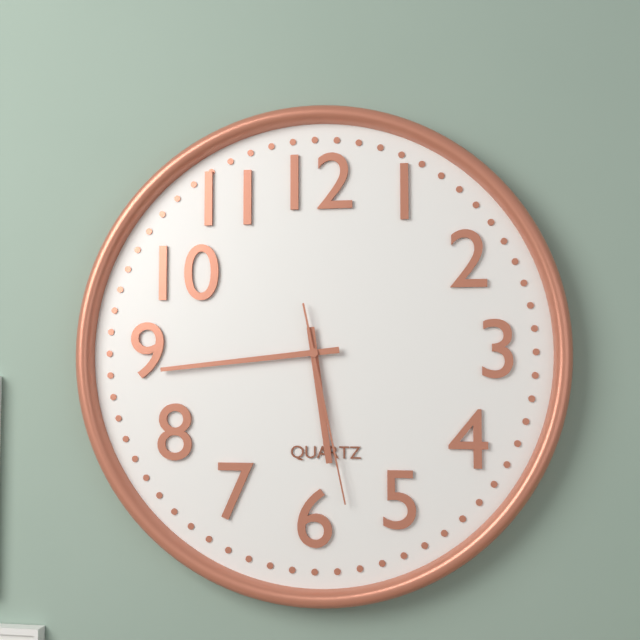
5:44:28
